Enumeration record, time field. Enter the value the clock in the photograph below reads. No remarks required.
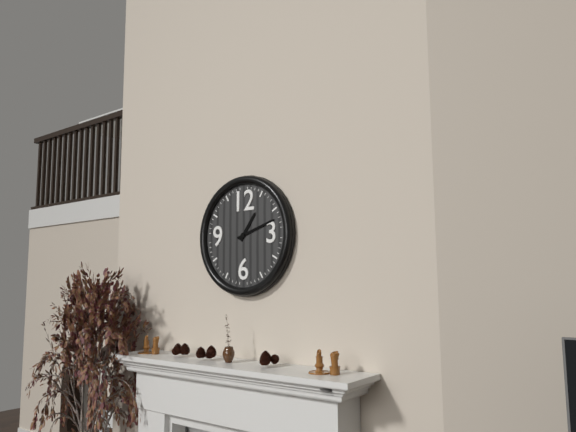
1:12
